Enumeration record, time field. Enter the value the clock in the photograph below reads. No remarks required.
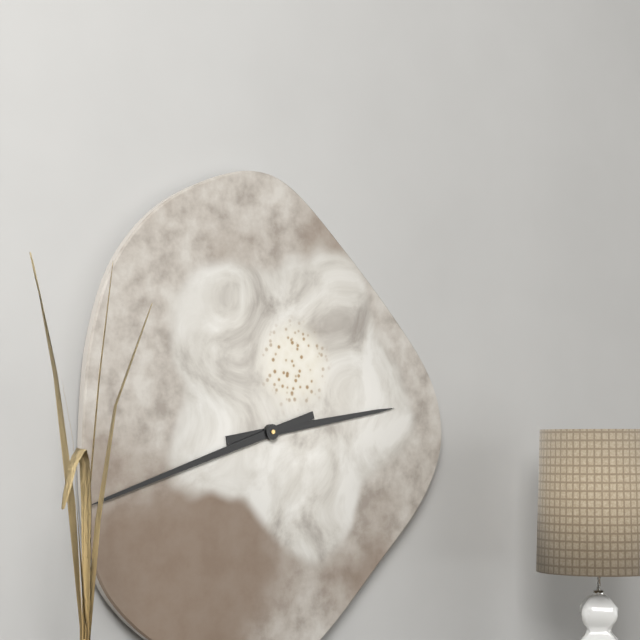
2:42
